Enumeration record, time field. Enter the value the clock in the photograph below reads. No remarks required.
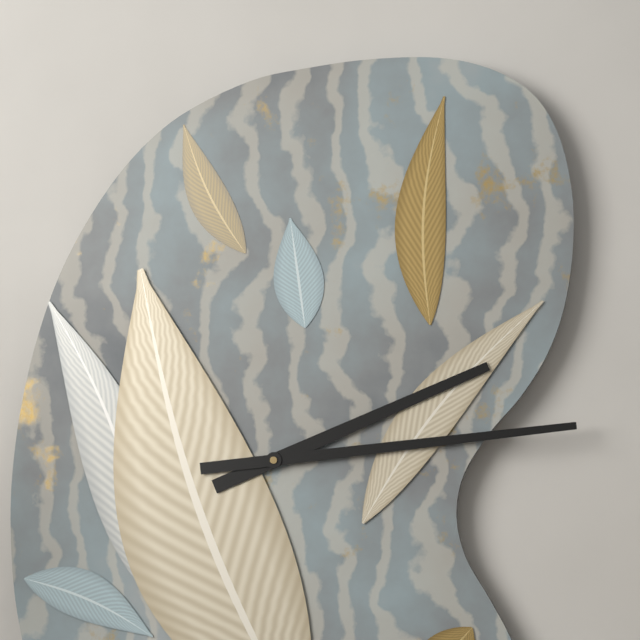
2:14
